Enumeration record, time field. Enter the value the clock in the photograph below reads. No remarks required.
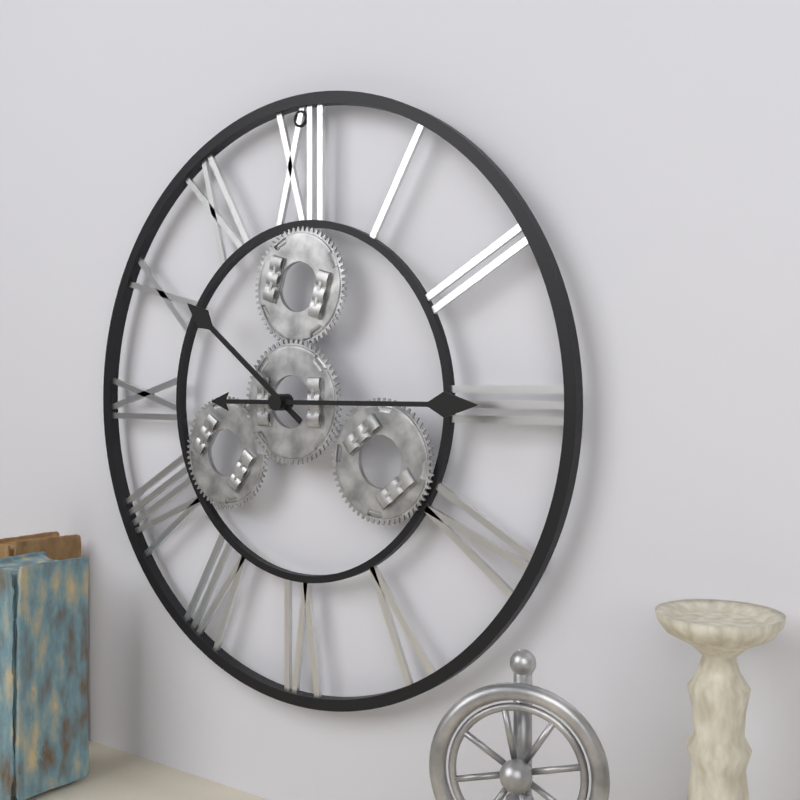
10:15
